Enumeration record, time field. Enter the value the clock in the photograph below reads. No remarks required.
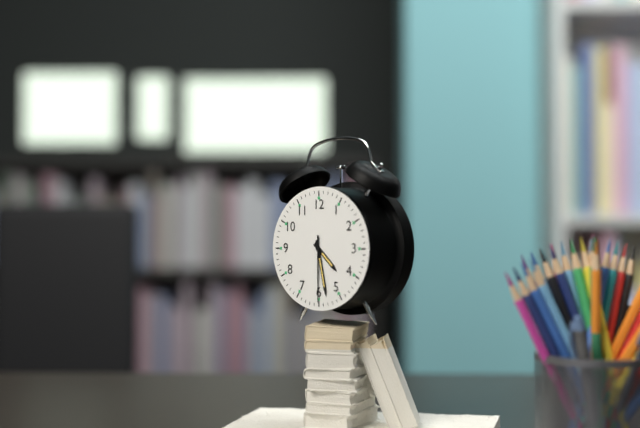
4:28:30
